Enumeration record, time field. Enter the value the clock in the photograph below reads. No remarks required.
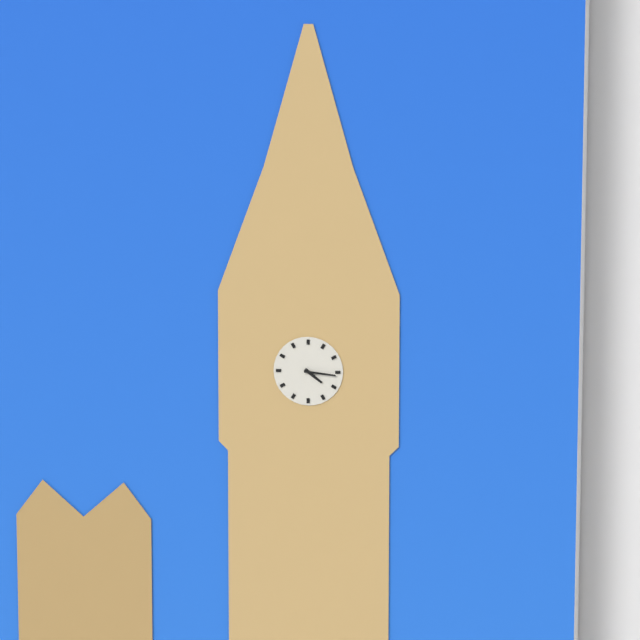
4:16
